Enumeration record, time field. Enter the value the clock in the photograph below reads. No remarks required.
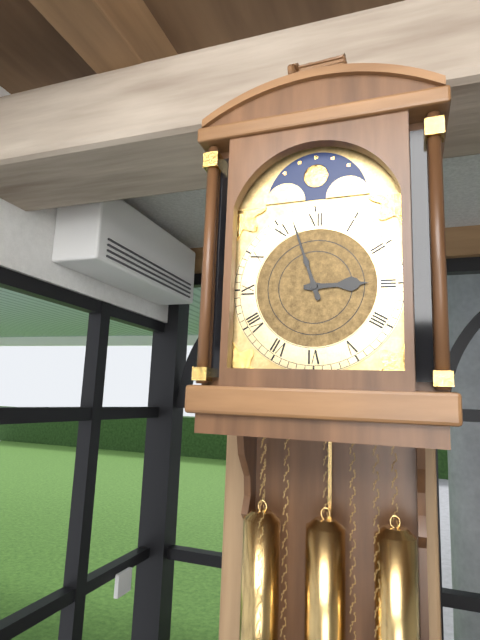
2:57
